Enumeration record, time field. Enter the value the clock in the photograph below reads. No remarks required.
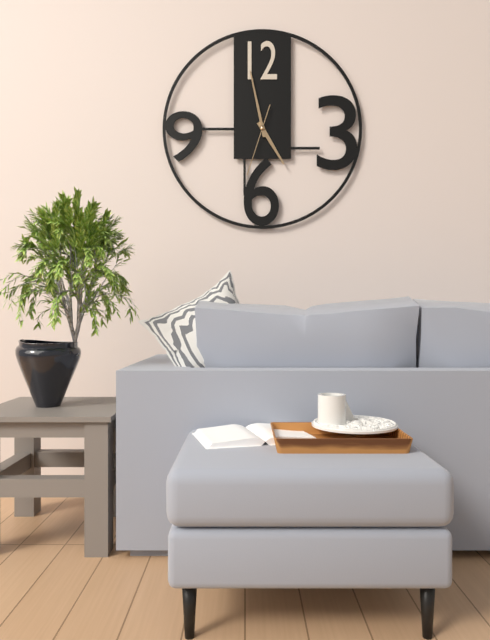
4:58:33
